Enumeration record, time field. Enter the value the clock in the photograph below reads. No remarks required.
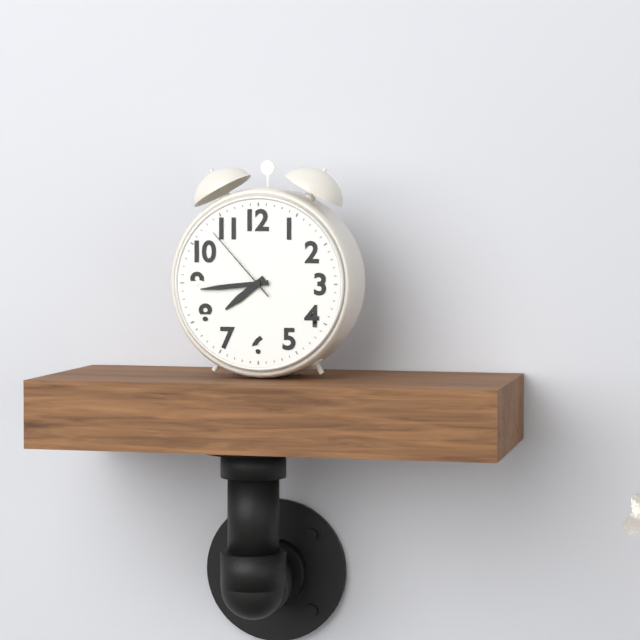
7:44:53
